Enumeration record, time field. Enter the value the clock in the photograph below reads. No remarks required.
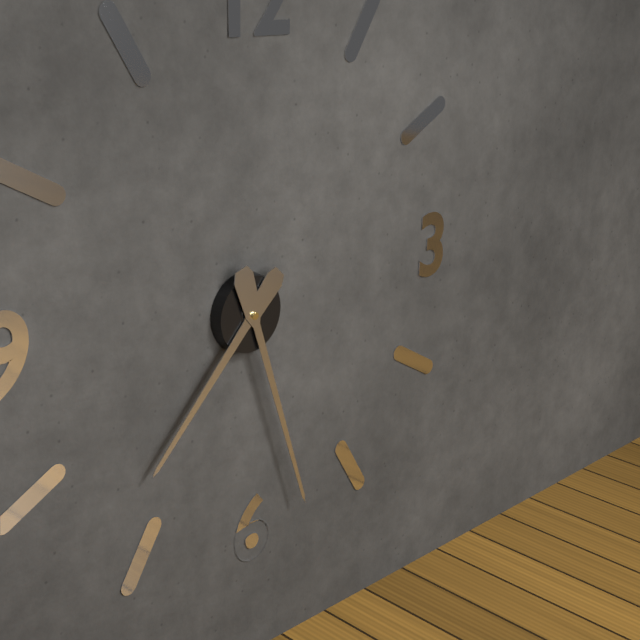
7:27
